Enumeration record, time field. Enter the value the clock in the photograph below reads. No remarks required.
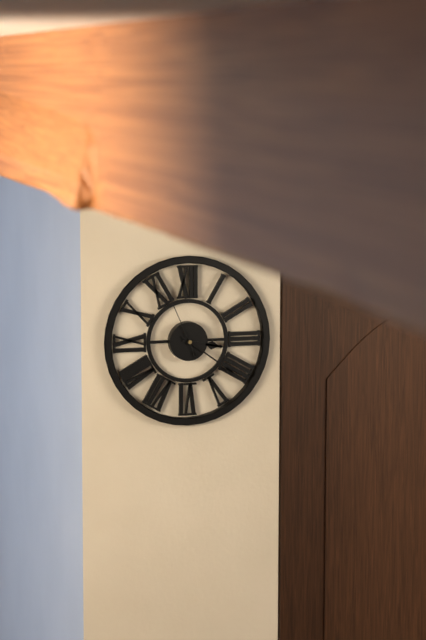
3:21:56
